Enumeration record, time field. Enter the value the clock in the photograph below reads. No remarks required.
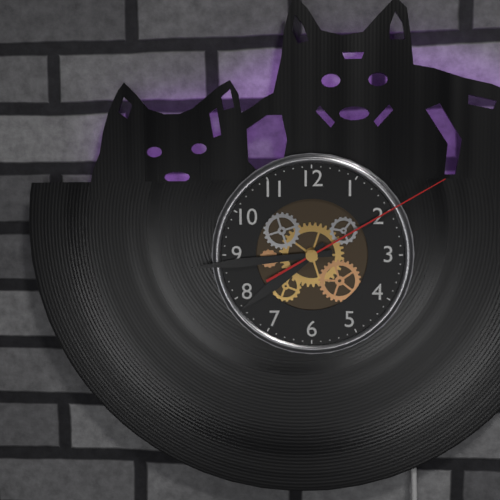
7:44:10
